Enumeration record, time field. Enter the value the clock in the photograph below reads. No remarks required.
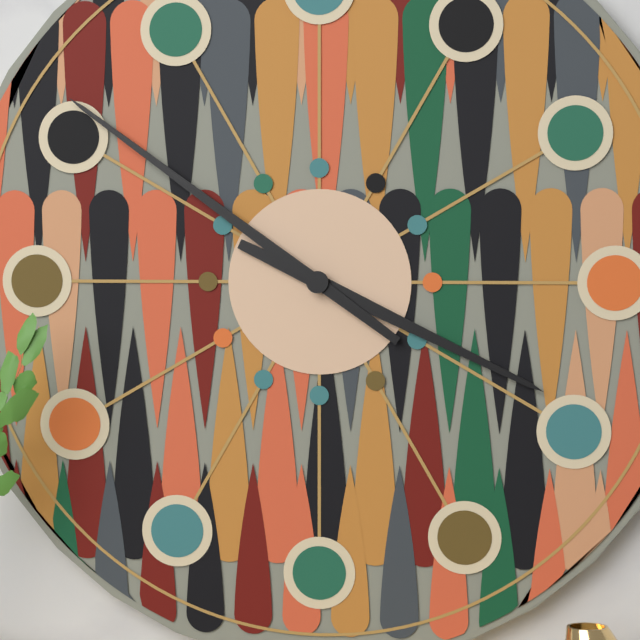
3:51
